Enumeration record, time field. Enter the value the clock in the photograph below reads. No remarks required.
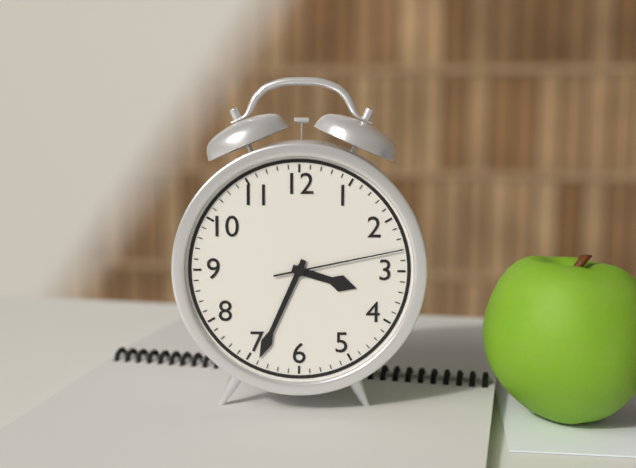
3:34:13
